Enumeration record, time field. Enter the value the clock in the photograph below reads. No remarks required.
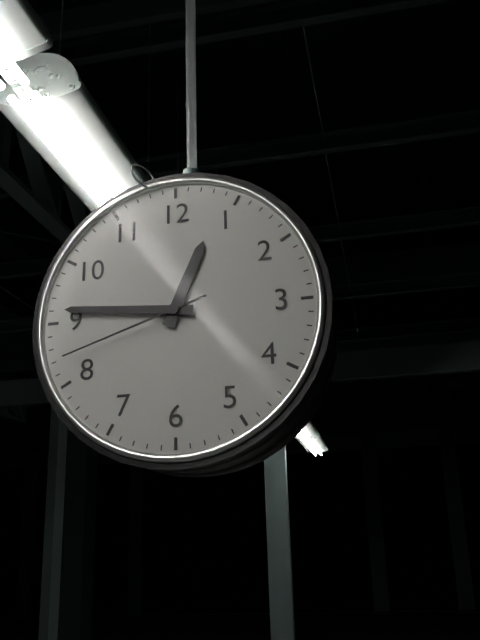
12:46:42
